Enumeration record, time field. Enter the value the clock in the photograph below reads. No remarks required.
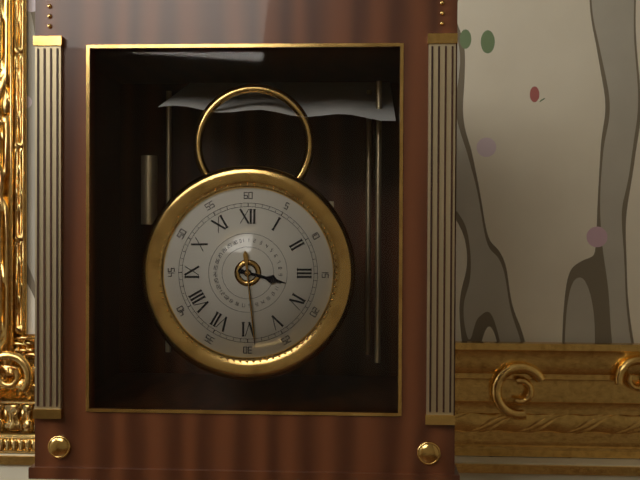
3:29:29
